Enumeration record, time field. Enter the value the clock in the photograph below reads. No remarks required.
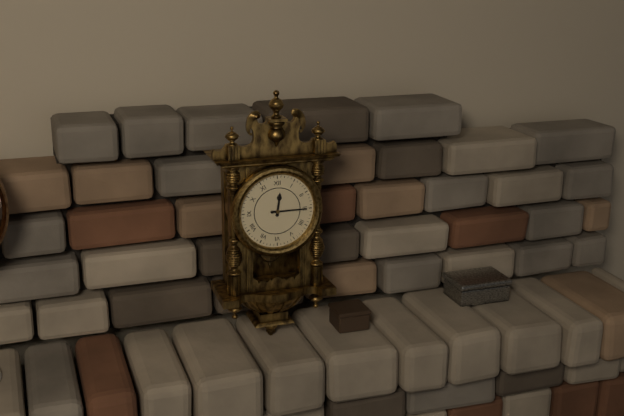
12:15
